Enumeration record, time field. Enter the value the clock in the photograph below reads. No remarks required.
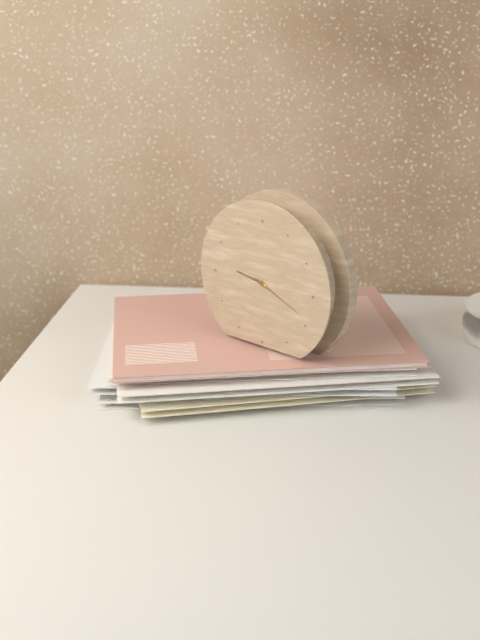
9:19
